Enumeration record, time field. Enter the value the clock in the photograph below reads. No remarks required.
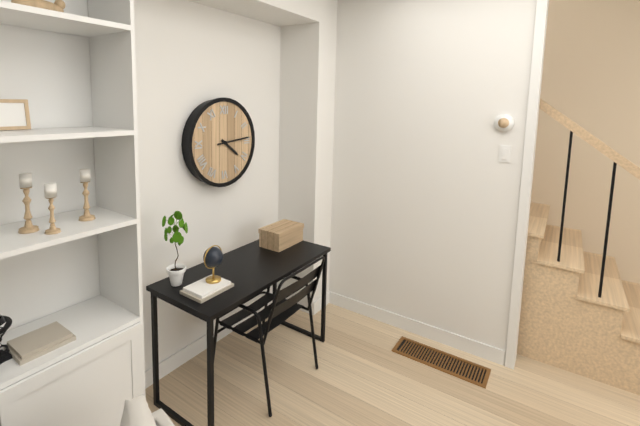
4:14
